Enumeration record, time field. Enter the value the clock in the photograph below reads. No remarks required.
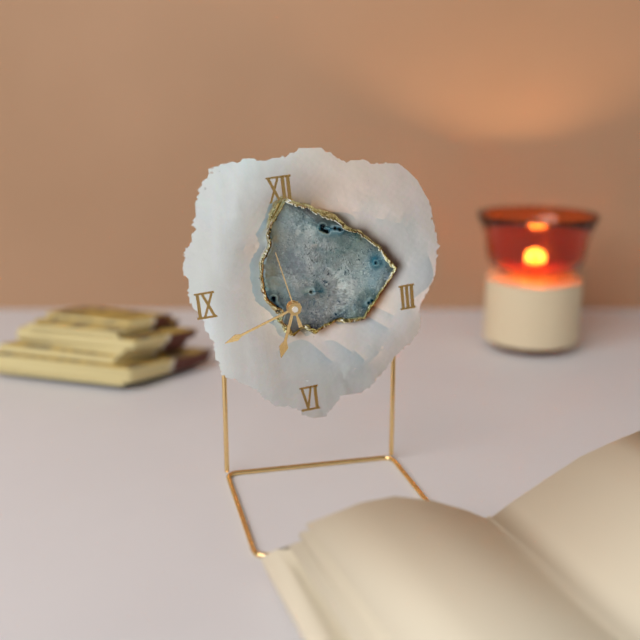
6:42:58
